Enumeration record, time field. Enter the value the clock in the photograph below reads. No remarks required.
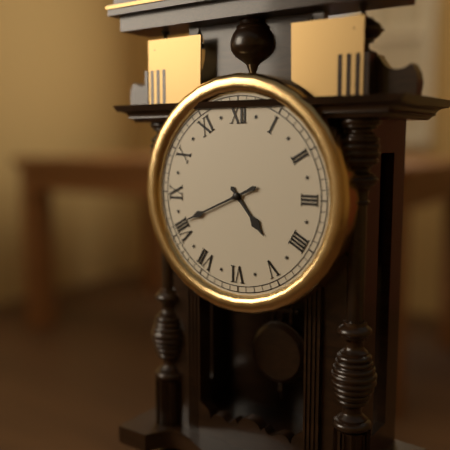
4:41
